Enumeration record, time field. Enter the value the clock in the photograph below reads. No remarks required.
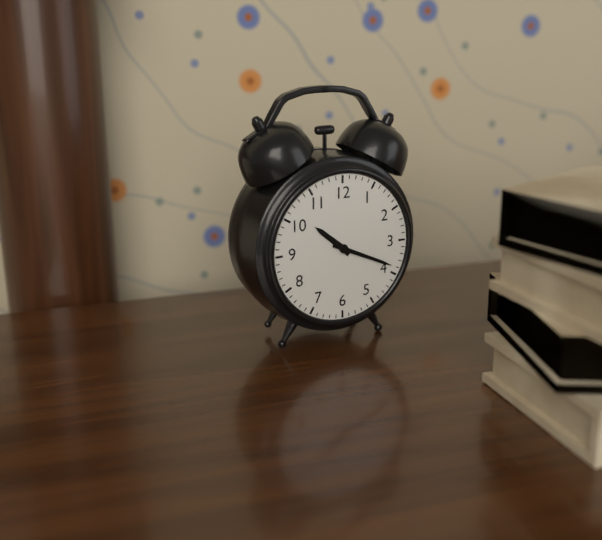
10:19
